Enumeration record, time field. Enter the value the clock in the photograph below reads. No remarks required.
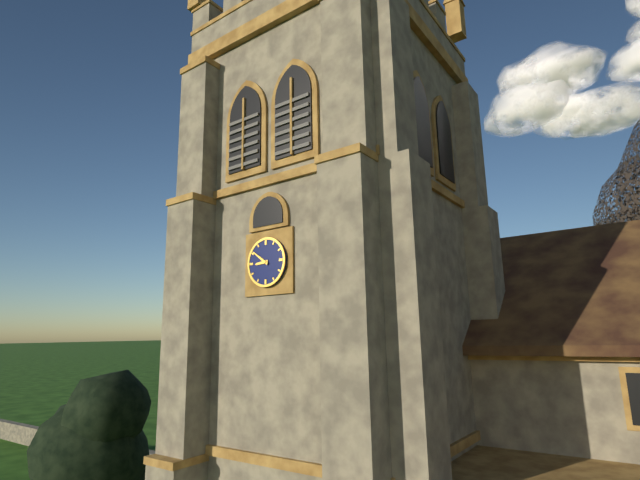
8:51
